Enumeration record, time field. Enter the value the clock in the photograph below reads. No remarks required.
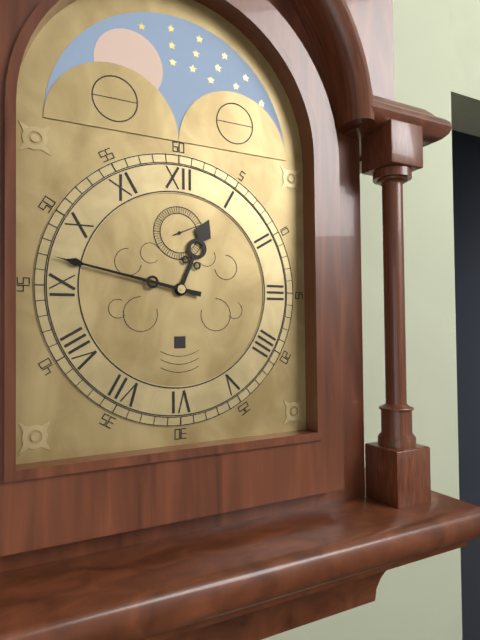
12:47
